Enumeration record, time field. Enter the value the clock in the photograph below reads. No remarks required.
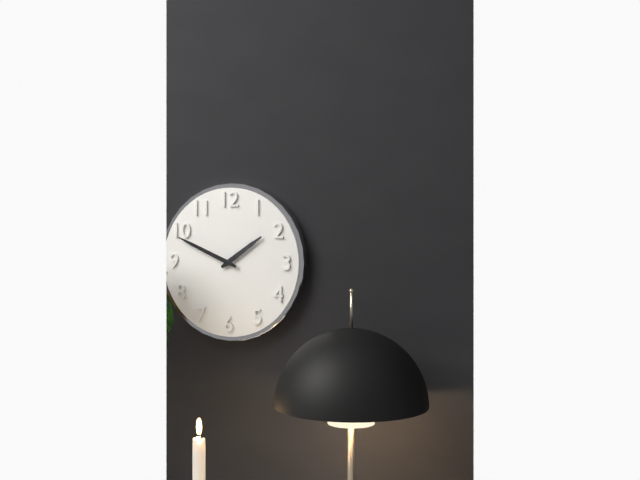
1:49
